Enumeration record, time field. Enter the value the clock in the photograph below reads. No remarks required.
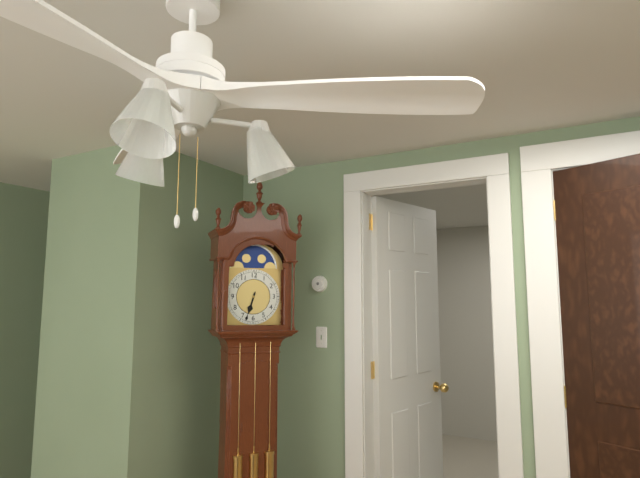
6:33
